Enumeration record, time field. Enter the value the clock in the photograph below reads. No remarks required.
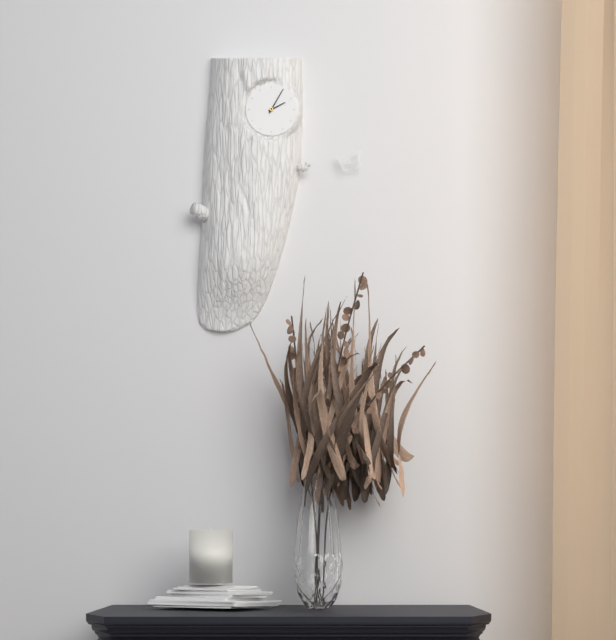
2:05
